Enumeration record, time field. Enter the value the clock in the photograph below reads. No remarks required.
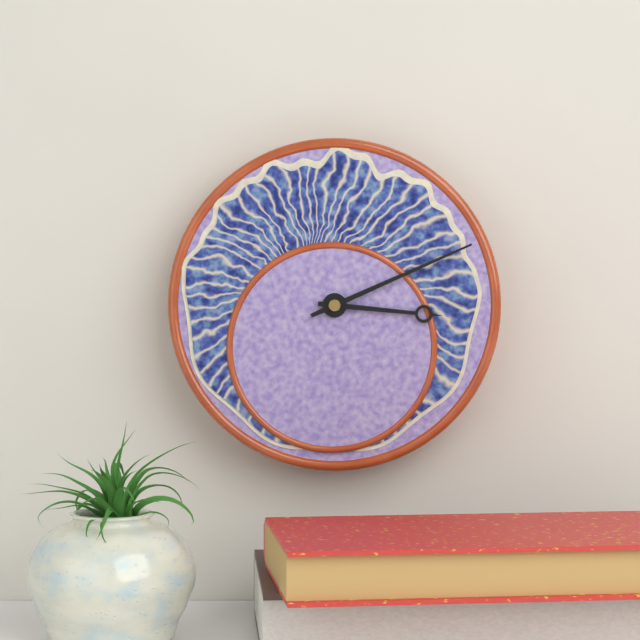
3:11
